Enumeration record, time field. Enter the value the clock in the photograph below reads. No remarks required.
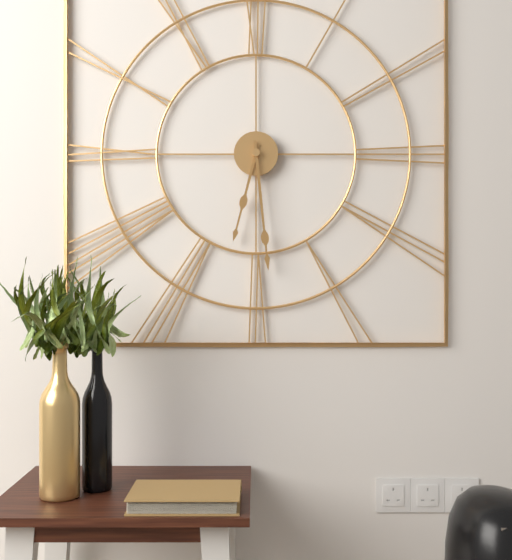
6:29
